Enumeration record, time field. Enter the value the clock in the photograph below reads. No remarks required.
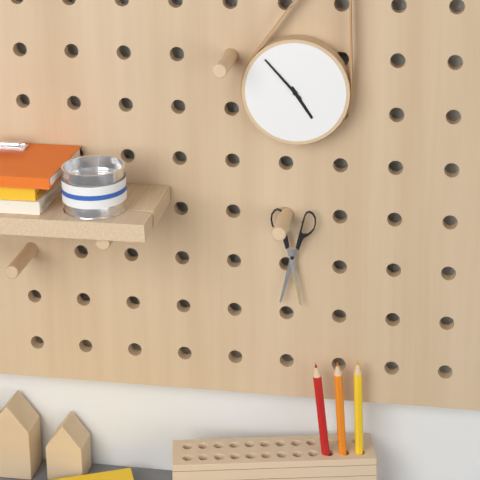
4:53
